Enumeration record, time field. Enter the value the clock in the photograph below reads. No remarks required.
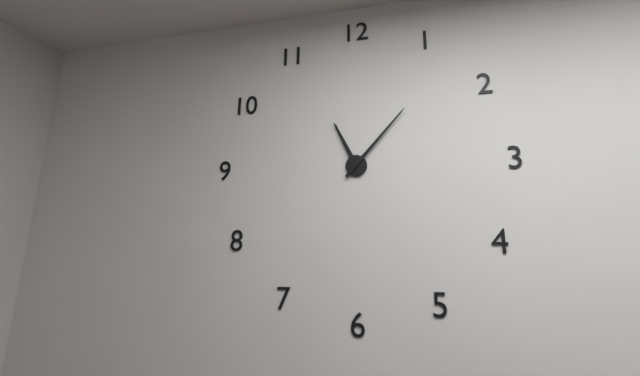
11:07
